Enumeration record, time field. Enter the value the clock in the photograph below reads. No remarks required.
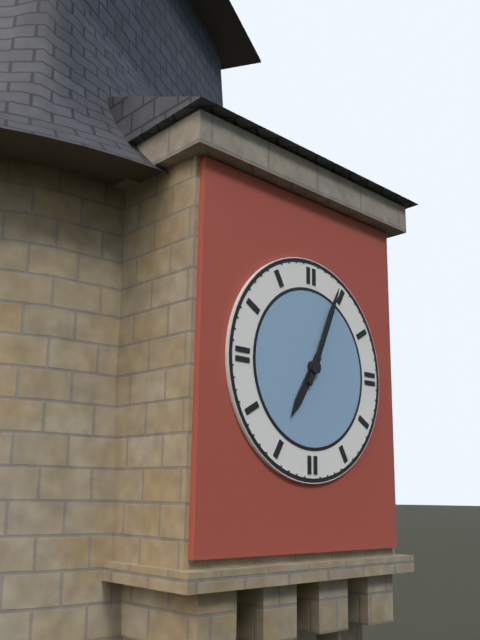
7:04
